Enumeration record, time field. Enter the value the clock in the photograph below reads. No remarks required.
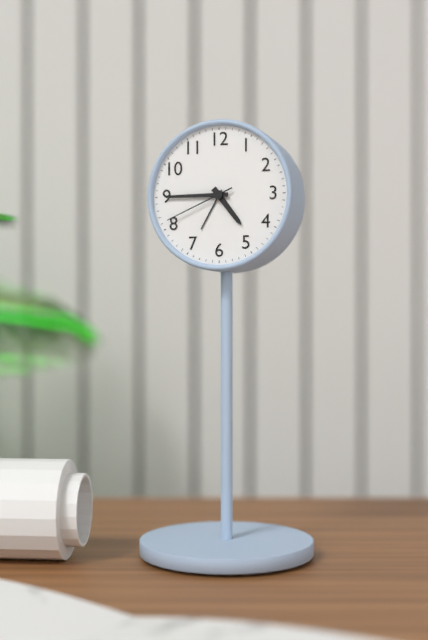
4:45:41
